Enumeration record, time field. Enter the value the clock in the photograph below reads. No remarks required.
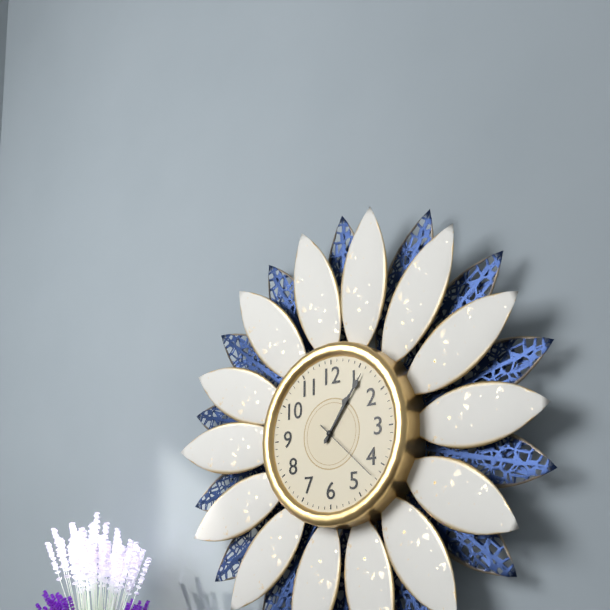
1:06:22
